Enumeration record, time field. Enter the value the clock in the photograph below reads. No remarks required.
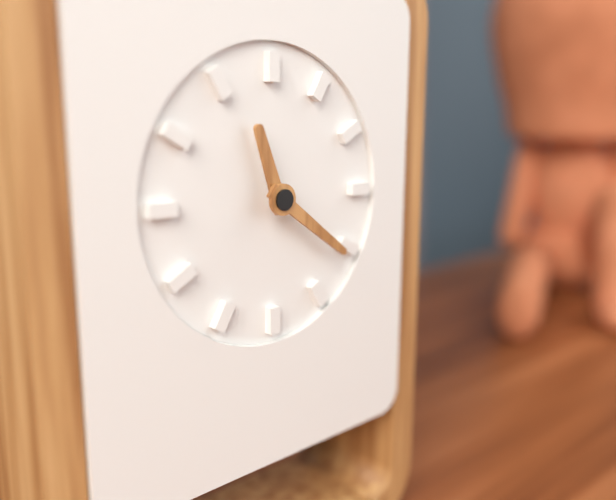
11:21
